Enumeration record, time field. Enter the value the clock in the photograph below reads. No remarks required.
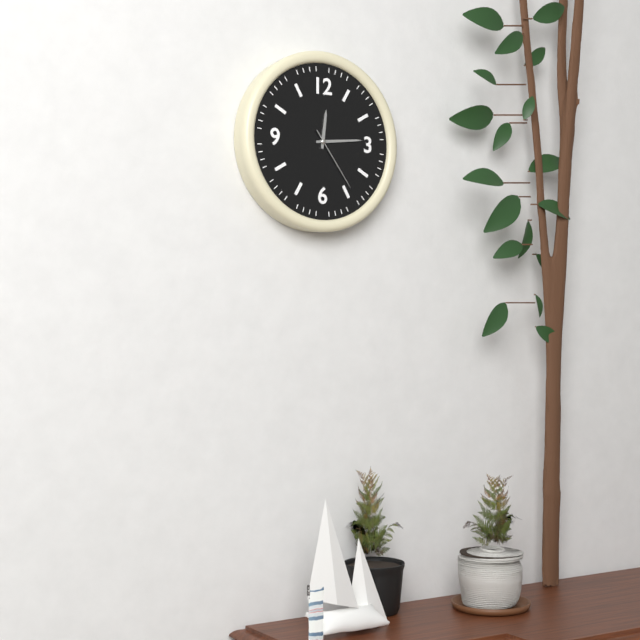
12:14:24
